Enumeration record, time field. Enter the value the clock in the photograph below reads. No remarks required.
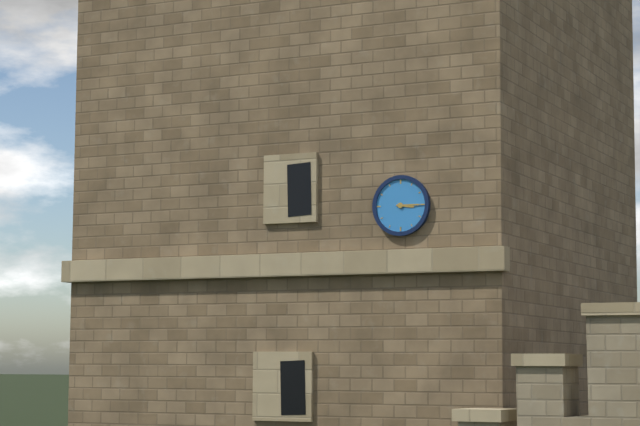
3:15
